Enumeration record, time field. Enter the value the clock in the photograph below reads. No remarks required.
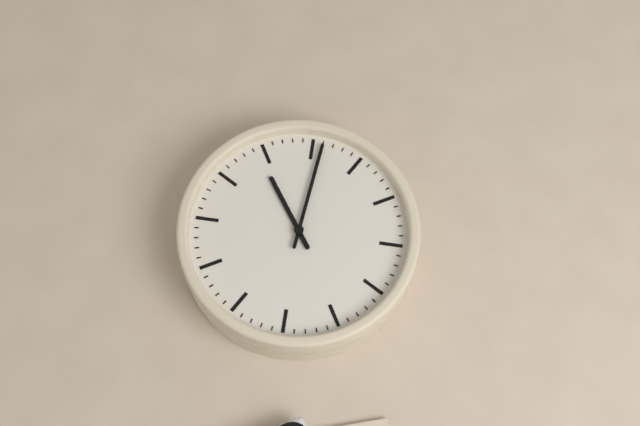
8:51
